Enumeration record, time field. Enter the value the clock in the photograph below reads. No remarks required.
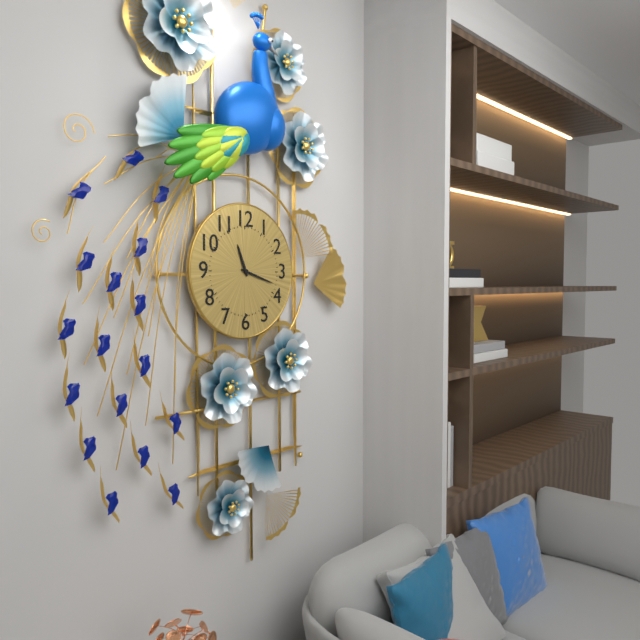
11:18
